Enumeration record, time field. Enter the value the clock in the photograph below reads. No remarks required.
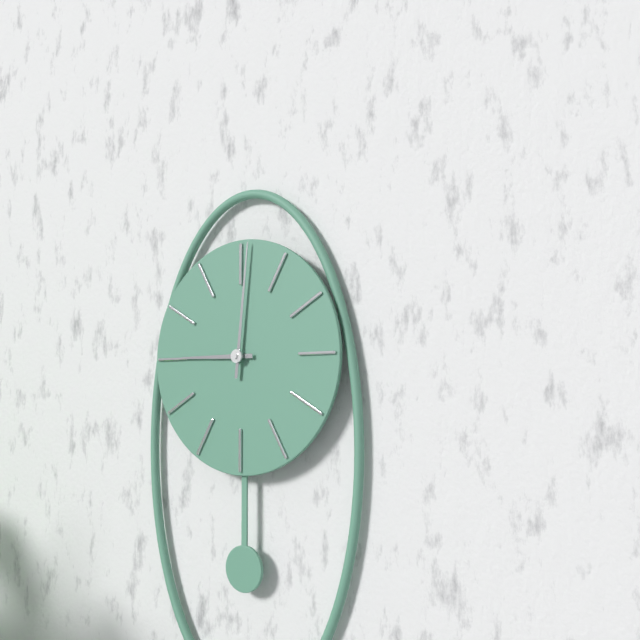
9:01
